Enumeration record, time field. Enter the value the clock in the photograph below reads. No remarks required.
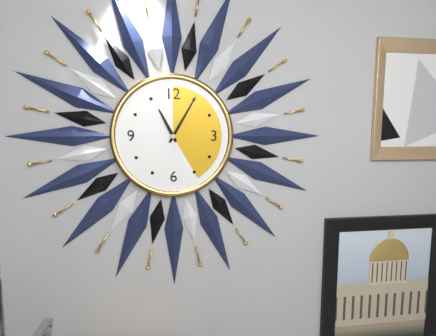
11:05
